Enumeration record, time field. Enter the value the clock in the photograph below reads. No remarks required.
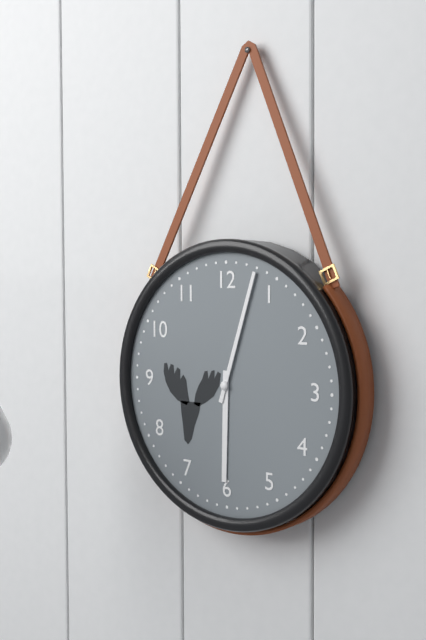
6:03
